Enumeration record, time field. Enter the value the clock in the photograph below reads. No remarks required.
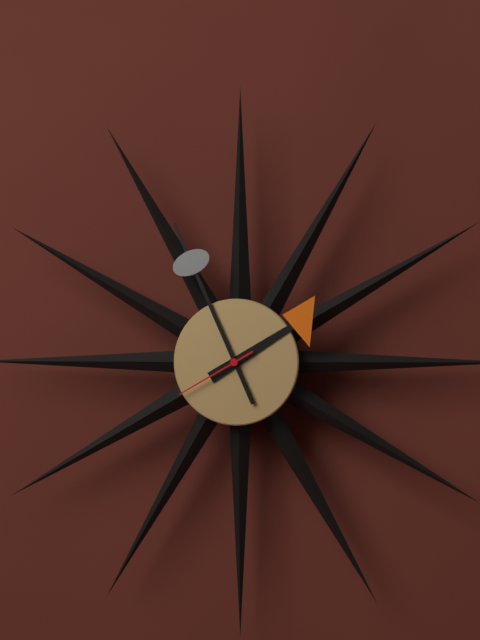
1:56:40
